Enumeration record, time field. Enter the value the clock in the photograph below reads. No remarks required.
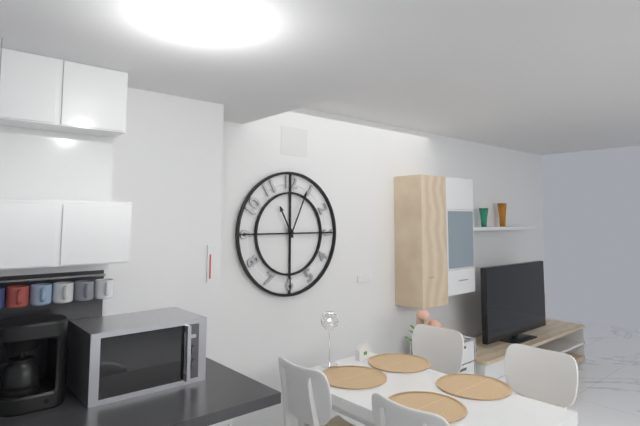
11:04
